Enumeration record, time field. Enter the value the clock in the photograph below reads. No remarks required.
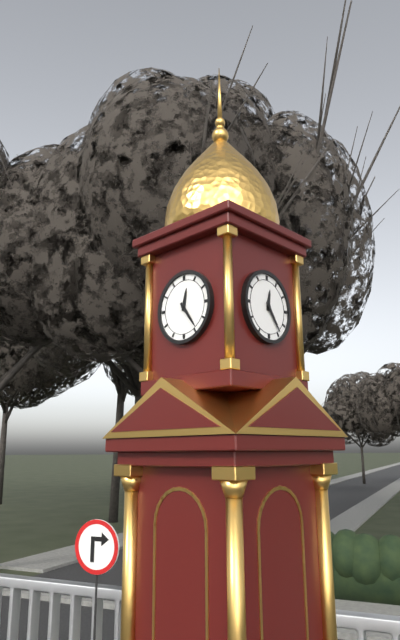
12:24
